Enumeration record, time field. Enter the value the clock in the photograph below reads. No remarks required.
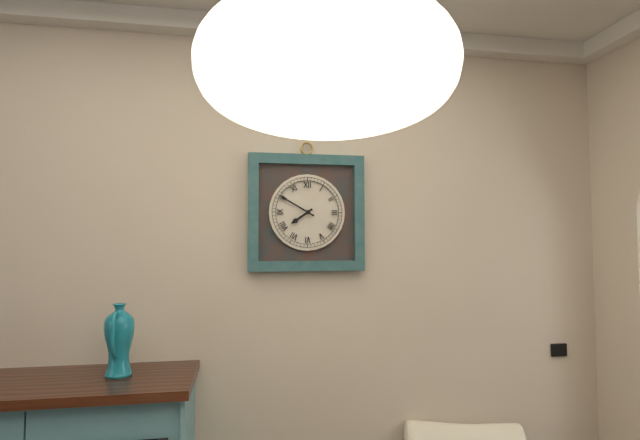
7:50
